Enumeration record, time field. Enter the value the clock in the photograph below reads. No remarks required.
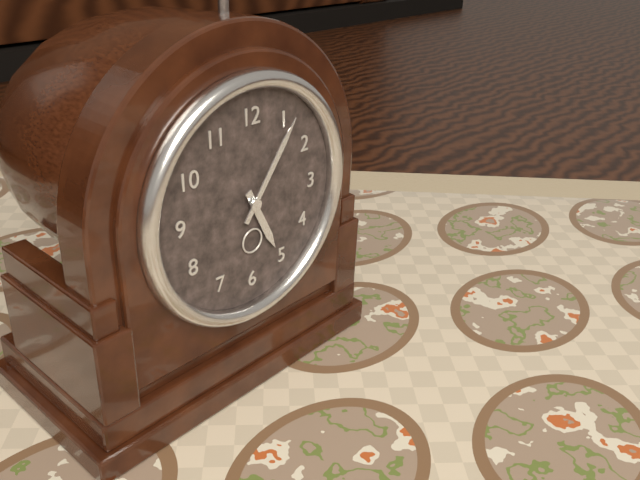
5:06
